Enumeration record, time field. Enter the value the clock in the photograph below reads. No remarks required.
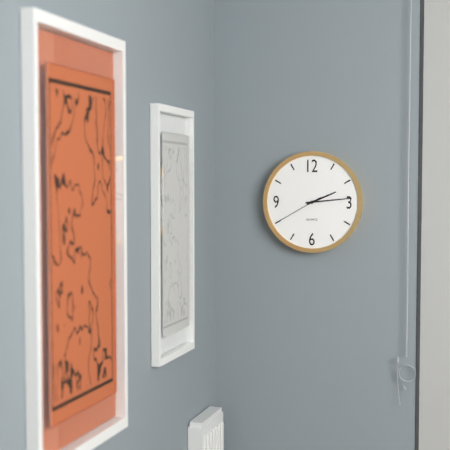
2:14:40
